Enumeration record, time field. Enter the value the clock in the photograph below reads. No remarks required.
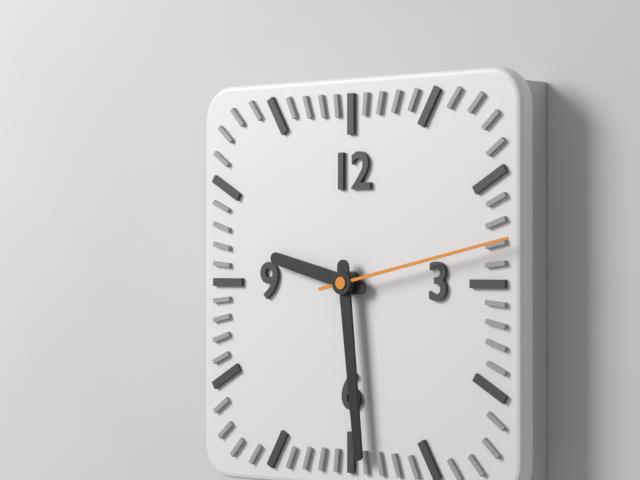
9:29:13
